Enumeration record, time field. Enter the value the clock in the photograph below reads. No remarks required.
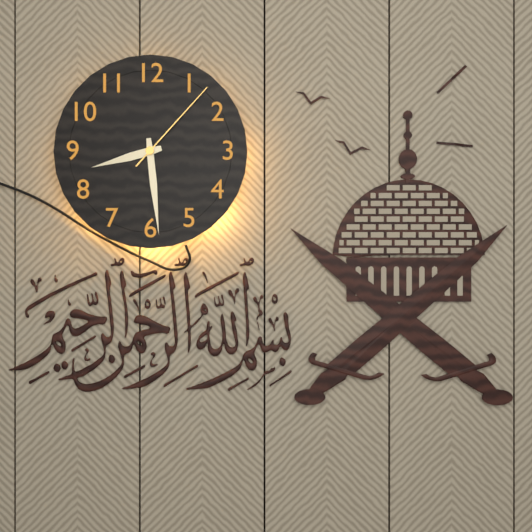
8:29:07
